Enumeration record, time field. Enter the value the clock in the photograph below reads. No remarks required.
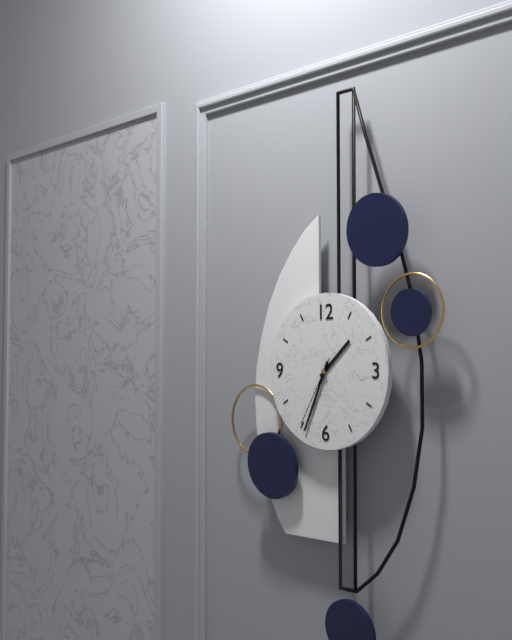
1:34:35
